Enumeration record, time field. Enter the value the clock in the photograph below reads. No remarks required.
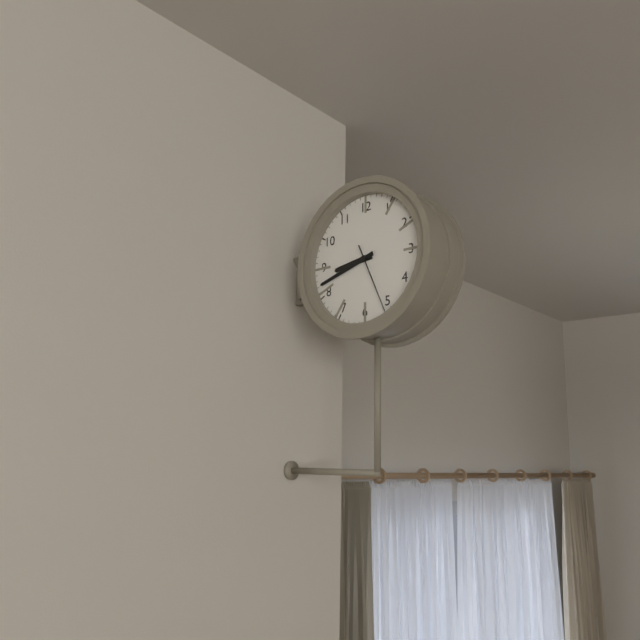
8:42:26
